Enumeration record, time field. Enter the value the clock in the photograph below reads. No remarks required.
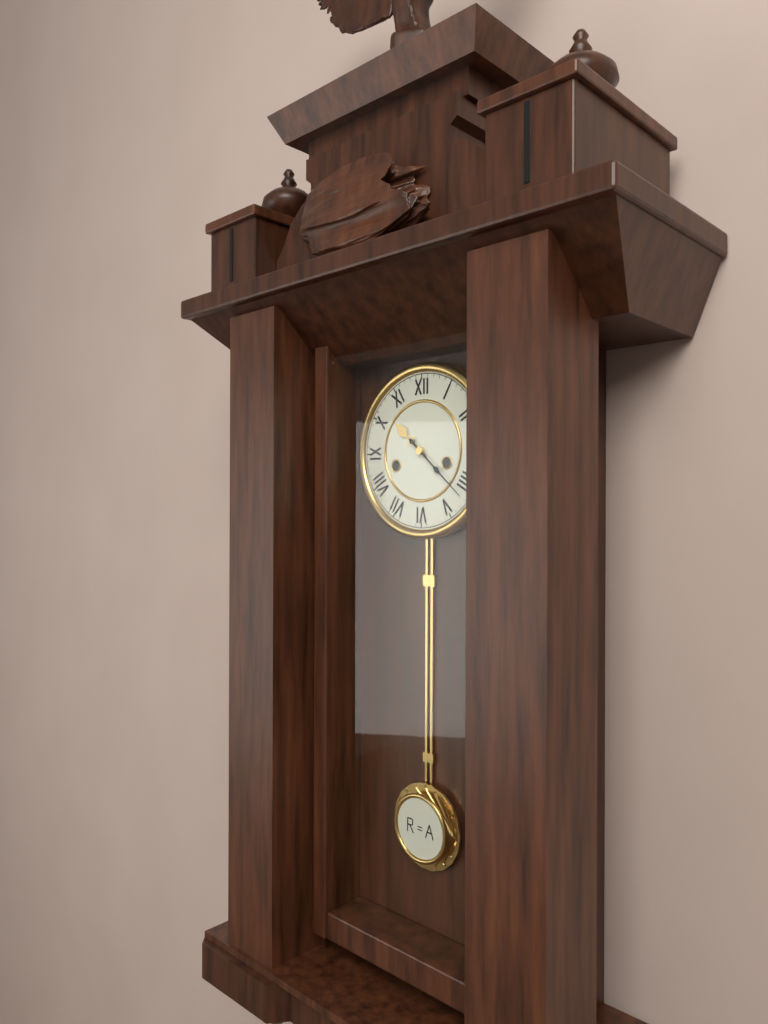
10:22
